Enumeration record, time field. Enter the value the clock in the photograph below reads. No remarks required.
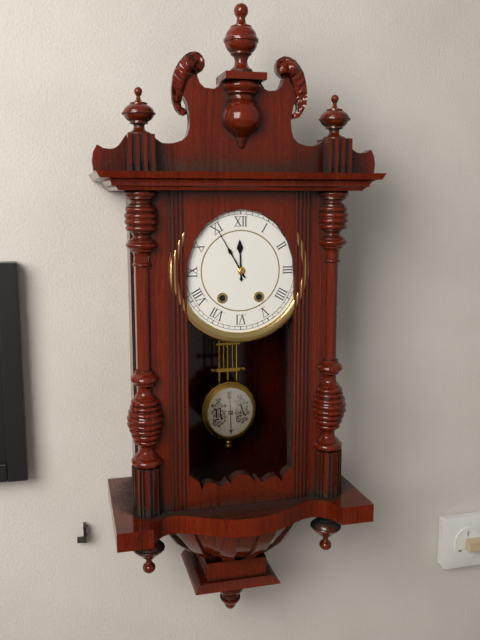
11:55
